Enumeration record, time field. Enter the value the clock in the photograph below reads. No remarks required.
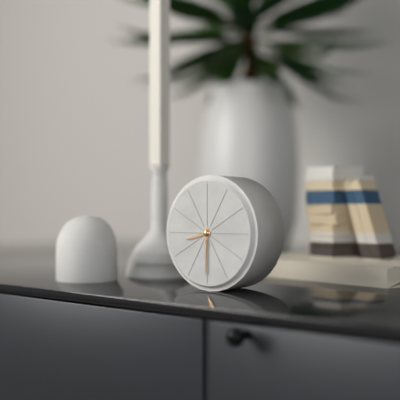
8:30
